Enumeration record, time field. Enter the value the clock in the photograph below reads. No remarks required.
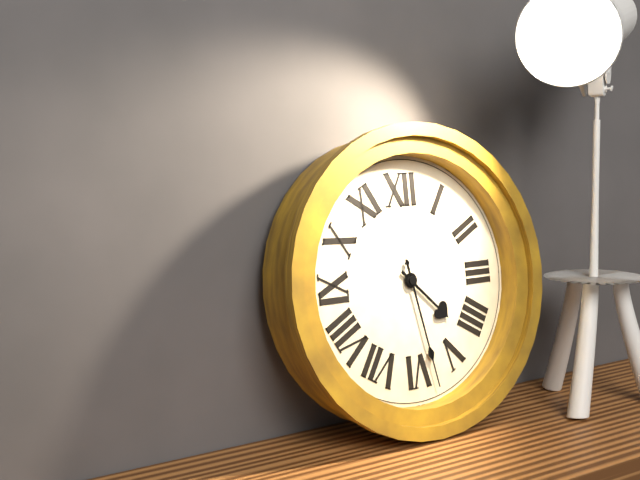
4:28
